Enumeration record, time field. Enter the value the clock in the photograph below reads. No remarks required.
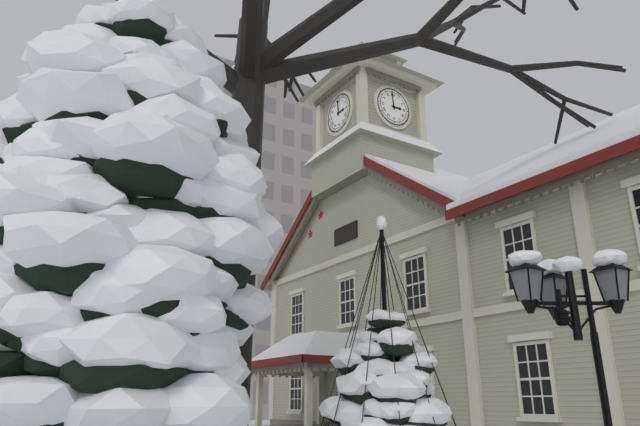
2:59
